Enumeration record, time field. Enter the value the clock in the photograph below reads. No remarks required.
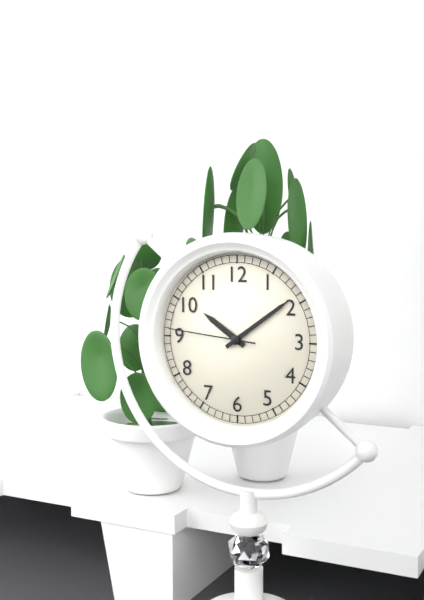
10:09:46
